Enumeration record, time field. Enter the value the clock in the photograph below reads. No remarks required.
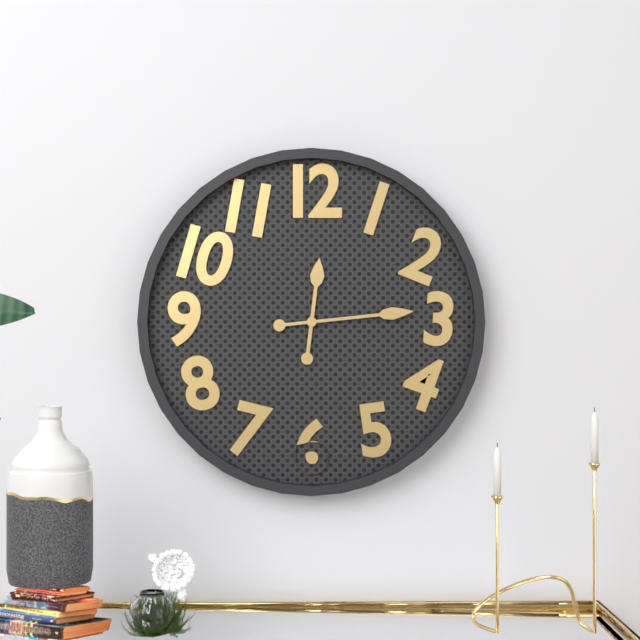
12:14
